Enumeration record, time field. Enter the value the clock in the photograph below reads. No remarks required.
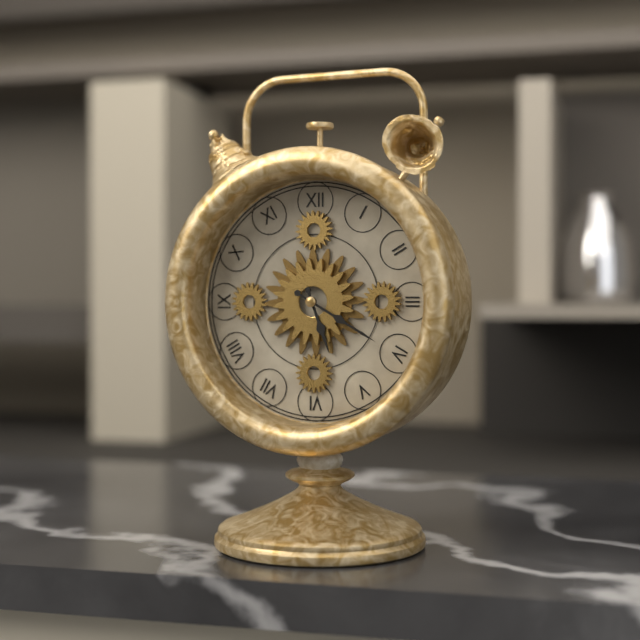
5:20
